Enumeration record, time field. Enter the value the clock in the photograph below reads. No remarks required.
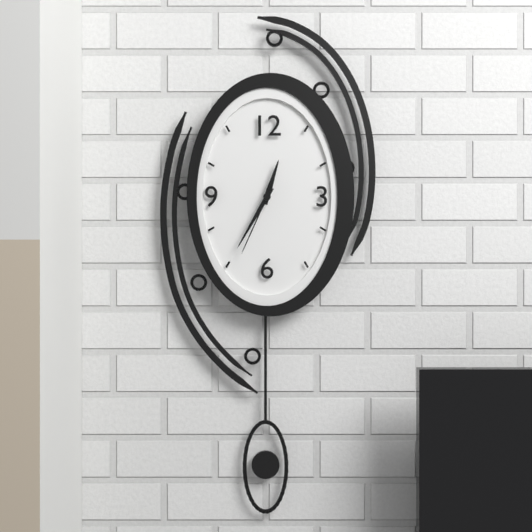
12:35:34
